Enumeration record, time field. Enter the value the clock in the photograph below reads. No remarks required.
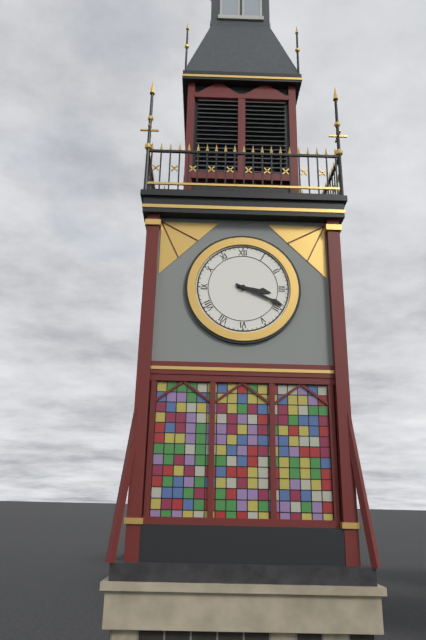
3:19
